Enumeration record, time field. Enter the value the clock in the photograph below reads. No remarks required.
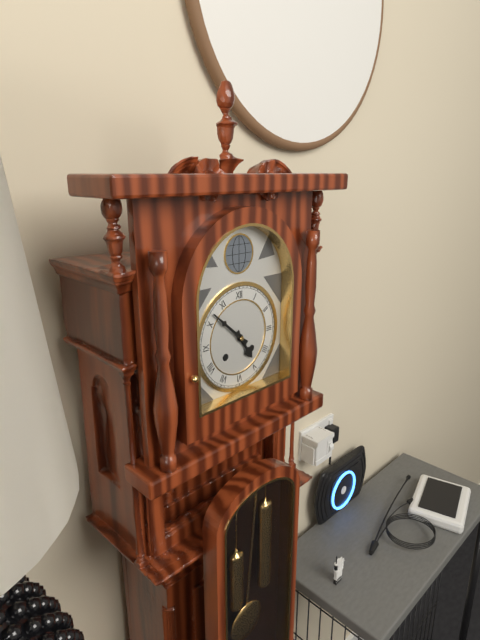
4:52
